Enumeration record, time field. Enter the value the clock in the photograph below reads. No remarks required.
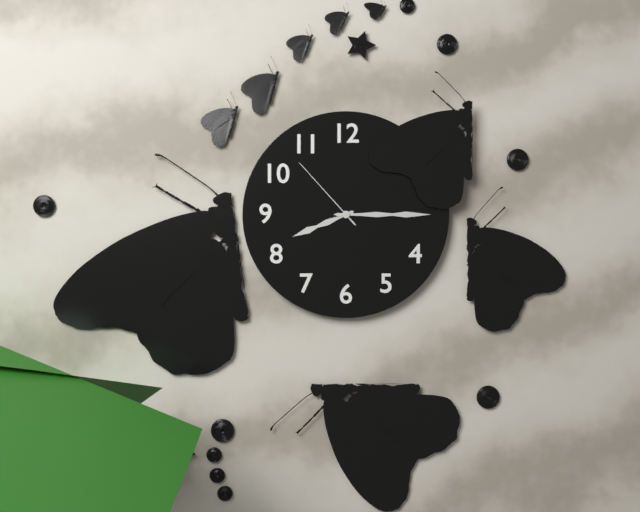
8:15:53
